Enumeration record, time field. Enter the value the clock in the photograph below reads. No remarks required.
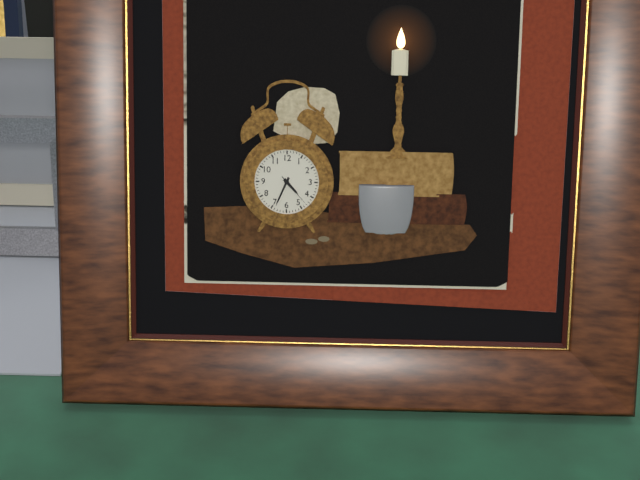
4:34
